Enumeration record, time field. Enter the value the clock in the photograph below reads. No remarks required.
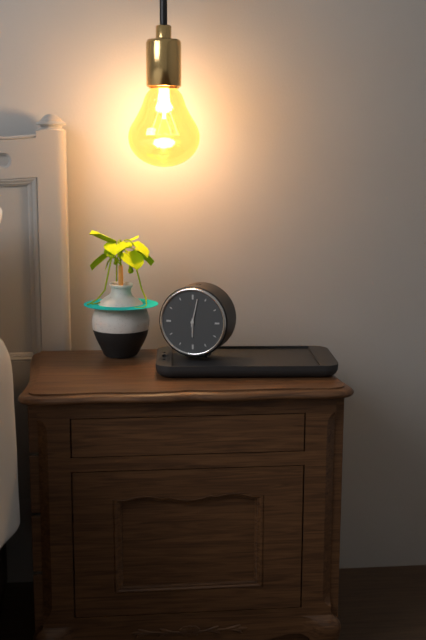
6:02
